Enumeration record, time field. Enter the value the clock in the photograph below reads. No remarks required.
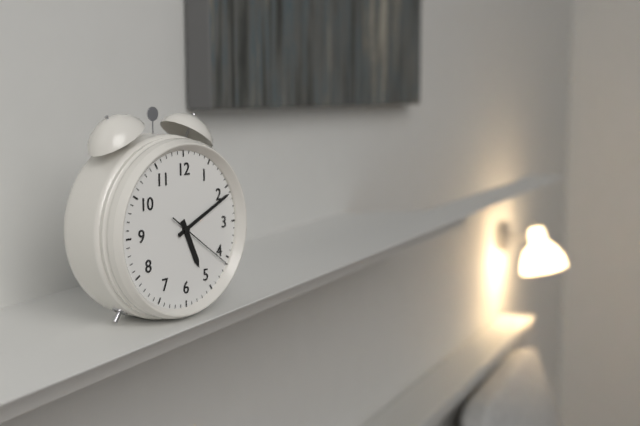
5:11:21
